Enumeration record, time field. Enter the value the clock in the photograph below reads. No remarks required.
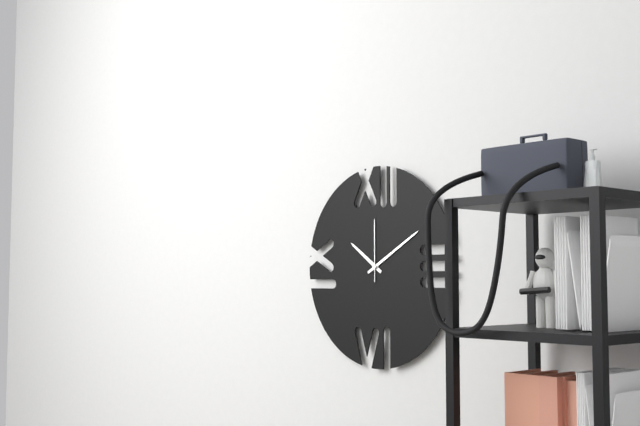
10:10:00
